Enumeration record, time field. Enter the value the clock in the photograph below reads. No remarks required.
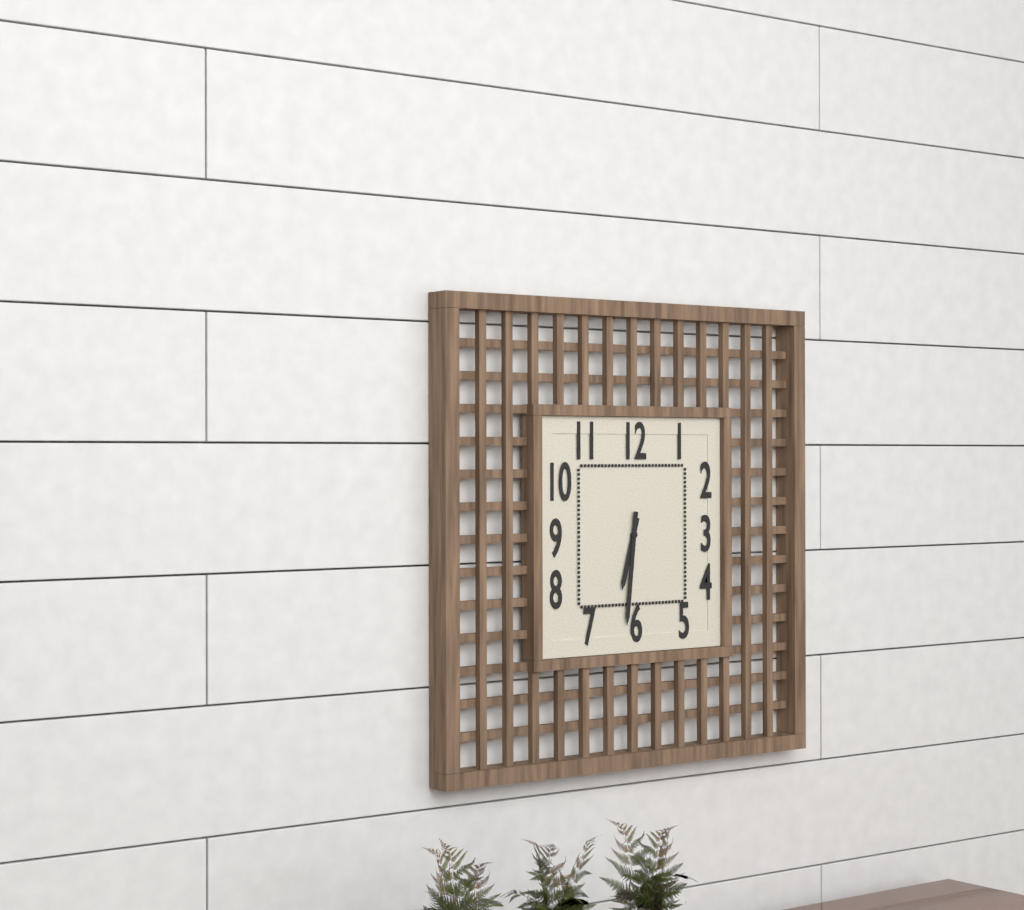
6:31
